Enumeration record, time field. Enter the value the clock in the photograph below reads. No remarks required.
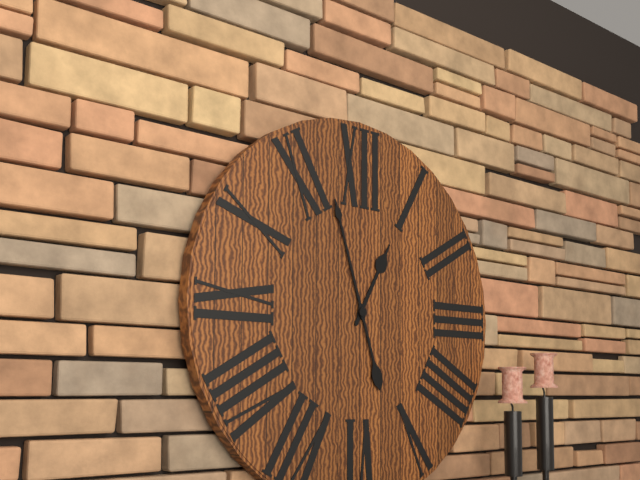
12:57
